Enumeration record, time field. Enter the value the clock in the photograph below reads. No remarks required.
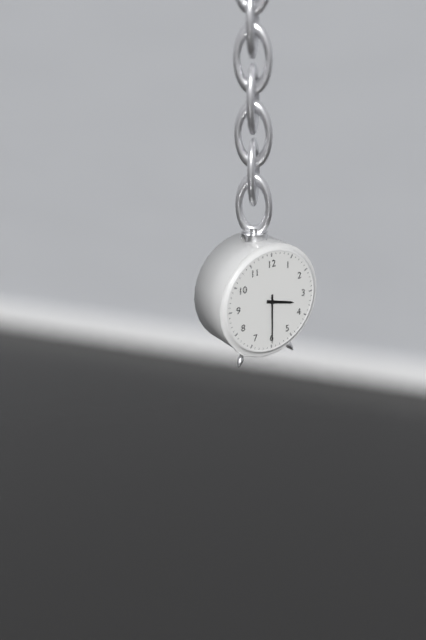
3:30
